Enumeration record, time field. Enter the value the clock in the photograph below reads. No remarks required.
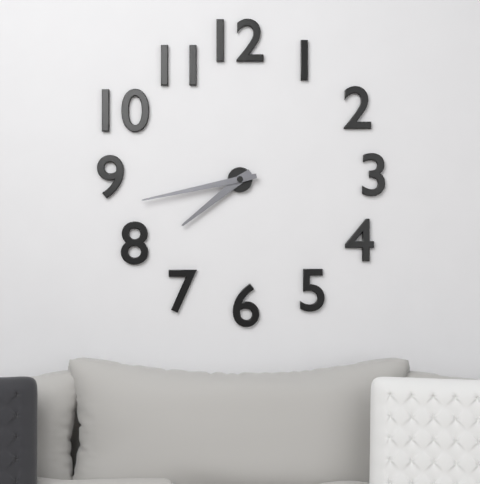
7:43
